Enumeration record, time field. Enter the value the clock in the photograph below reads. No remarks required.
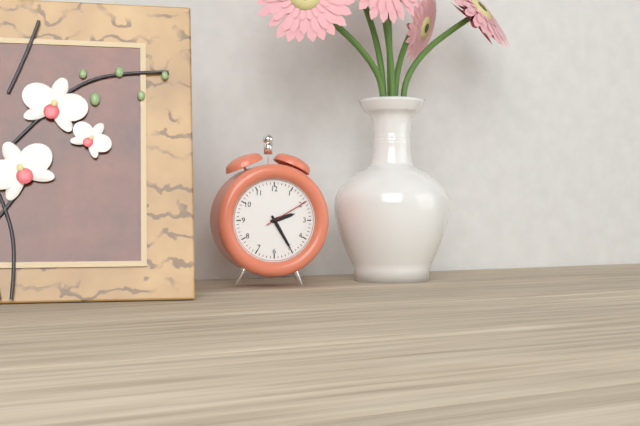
2:25
